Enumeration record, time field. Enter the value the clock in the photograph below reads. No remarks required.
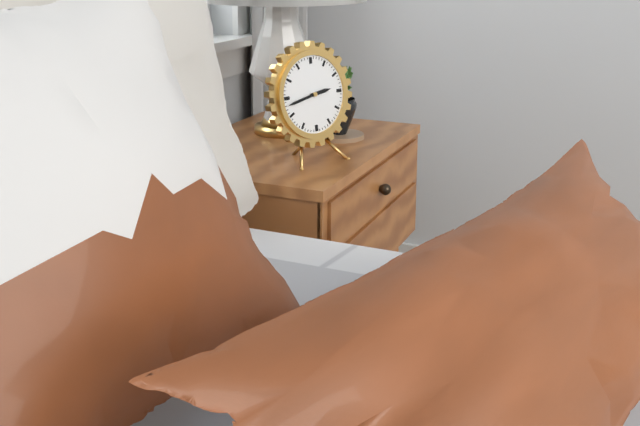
2:43
